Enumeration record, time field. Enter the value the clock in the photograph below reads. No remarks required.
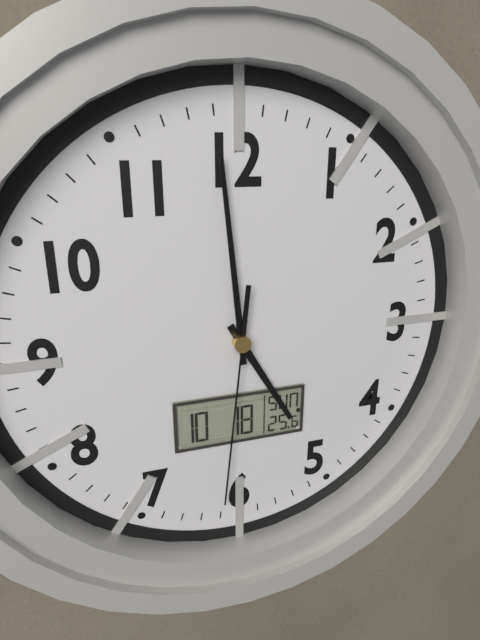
4:59:31
